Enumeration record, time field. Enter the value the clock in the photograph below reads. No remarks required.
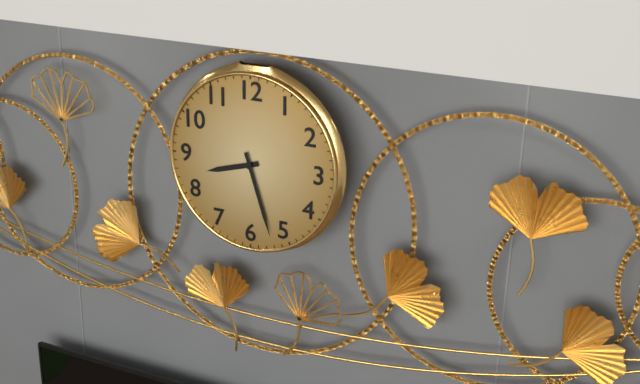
8:27
